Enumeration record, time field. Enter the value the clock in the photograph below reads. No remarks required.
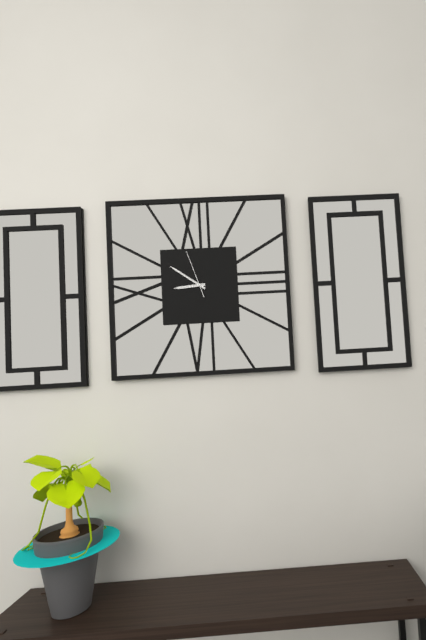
8:51
